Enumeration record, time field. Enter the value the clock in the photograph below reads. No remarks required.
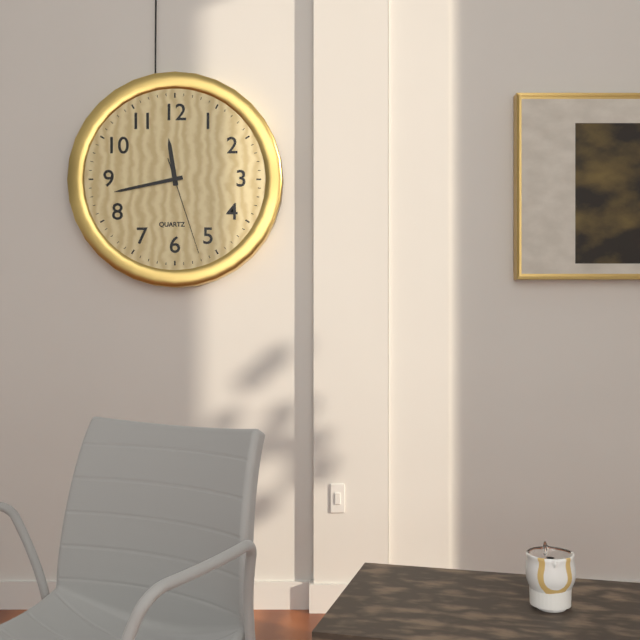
11:43:27
